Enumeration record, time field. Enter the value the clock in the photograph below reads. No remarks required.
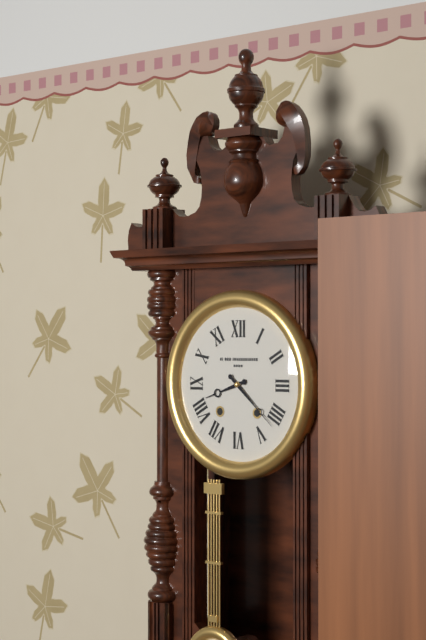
8:22
